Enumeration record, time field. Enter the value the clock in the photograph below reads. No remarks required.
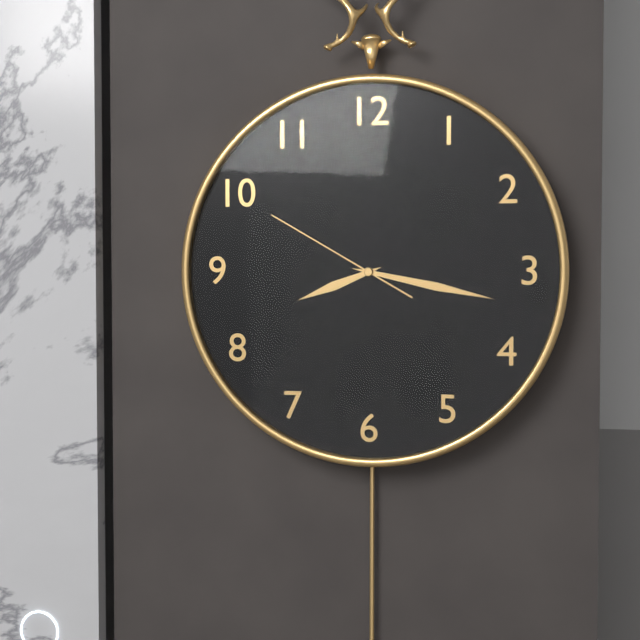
8:17:50
